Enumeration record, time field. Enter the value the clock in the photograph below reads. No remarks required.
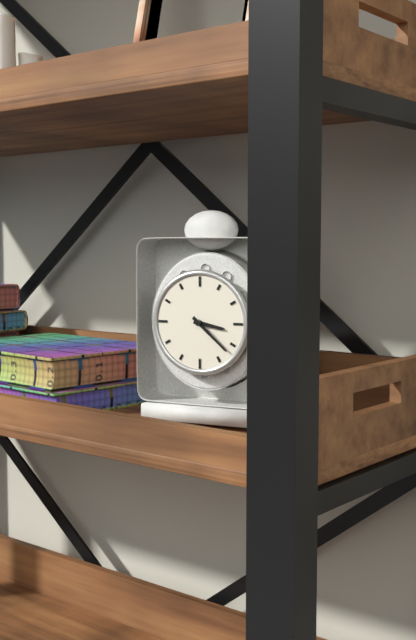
3:22
